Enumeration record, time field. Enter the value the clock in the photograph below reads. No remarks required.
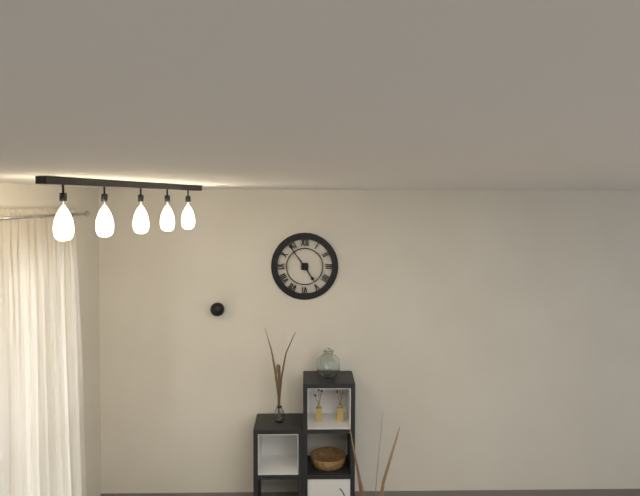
4:54
